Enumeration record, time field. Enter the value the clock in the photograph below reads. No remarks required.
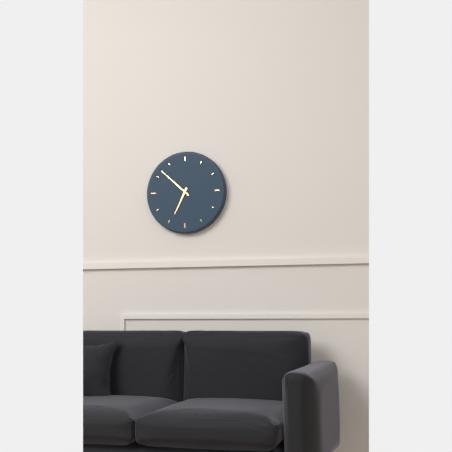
6:52
